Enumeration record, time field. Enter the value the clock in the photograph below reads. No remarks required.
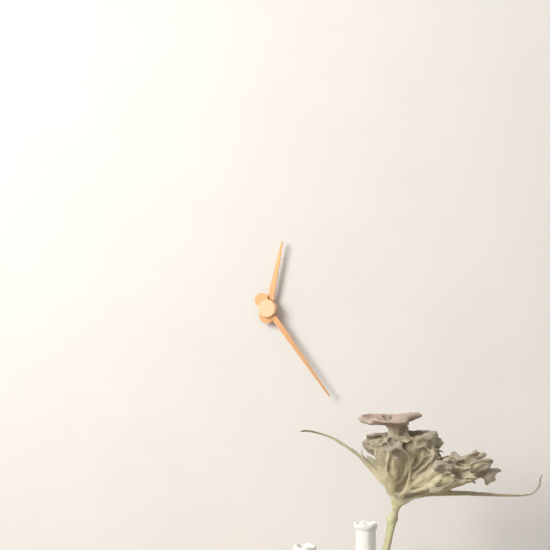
12:24
